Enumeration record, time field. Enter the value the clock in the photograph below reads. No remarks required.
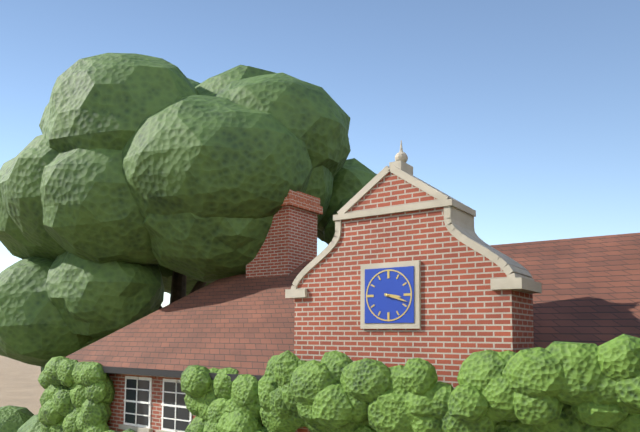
3:18
